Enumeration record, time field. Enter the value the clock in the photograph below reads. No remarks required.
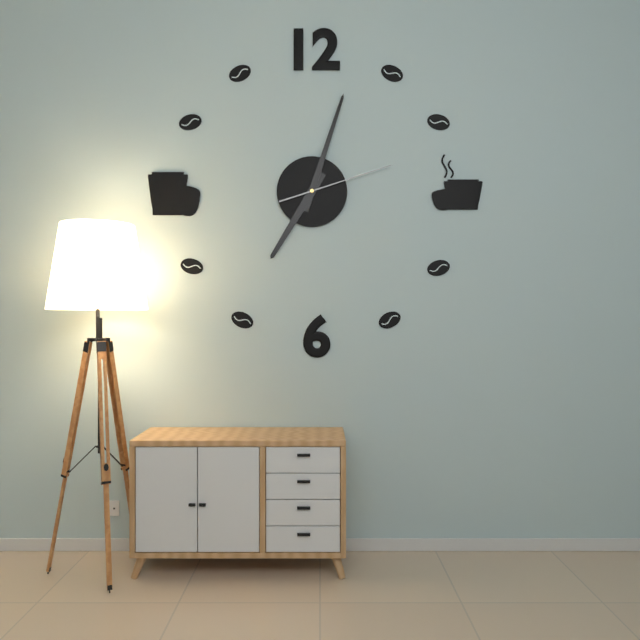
7:03:12
